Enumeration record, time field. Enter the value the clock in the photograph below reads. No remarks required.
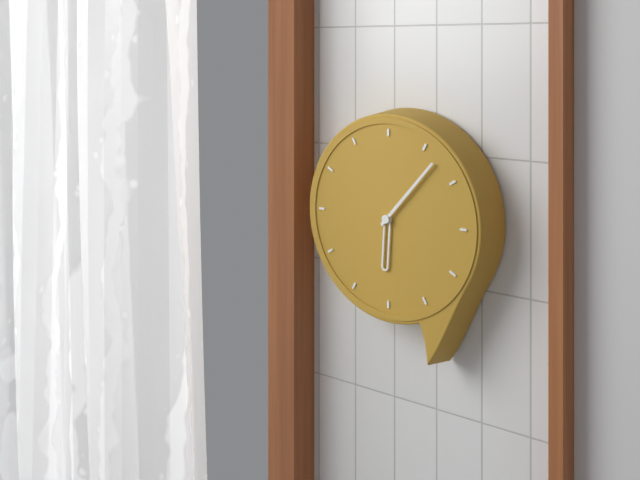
6:07
